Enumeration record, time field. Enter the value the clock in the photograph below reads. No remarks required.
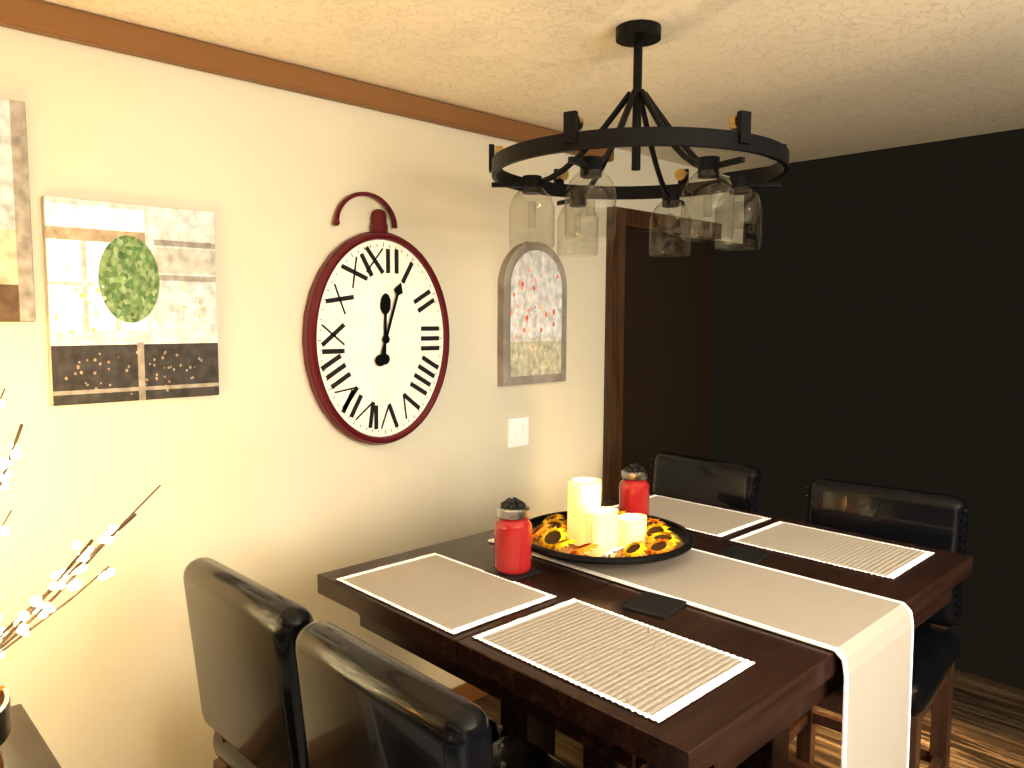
12:03
